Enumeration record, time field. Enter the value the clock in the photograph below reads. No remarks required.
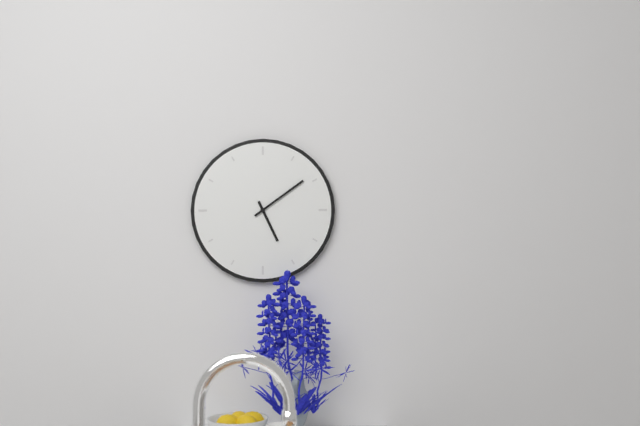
5:09
